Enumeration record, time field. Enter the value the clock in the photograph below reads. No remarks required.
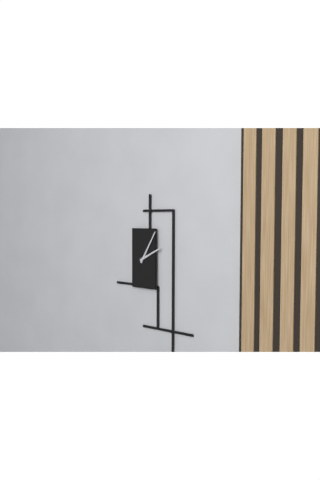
2:05
